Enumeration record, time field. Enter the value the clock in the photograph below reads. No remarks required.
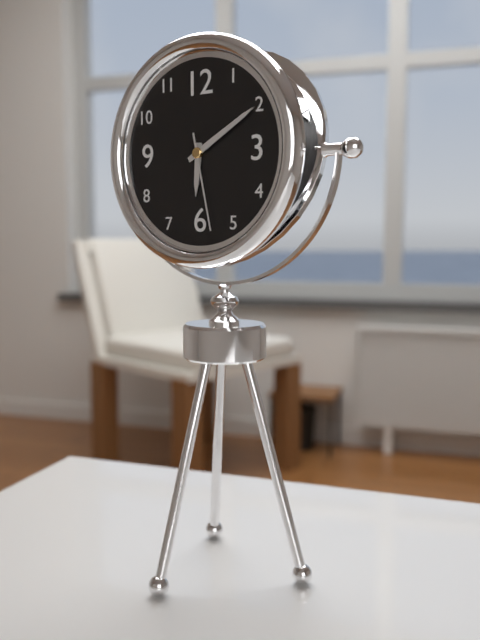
6:10:28
